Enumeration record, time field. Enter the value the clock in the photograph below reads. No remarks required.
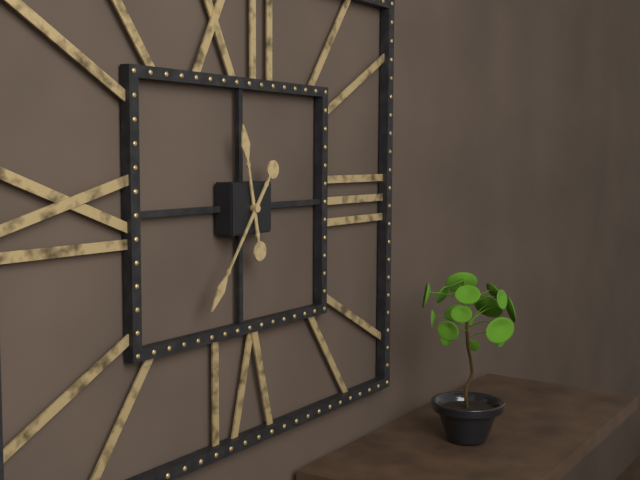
11:36
